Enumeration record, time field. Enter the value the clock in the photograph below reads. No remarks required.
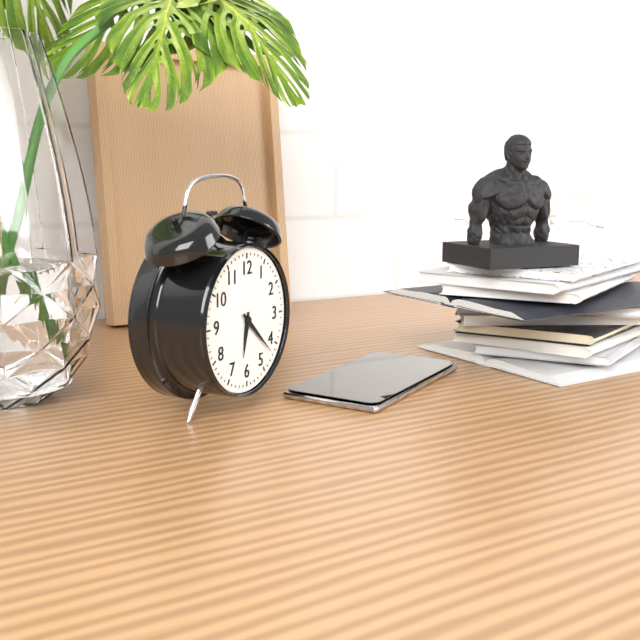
6:22
